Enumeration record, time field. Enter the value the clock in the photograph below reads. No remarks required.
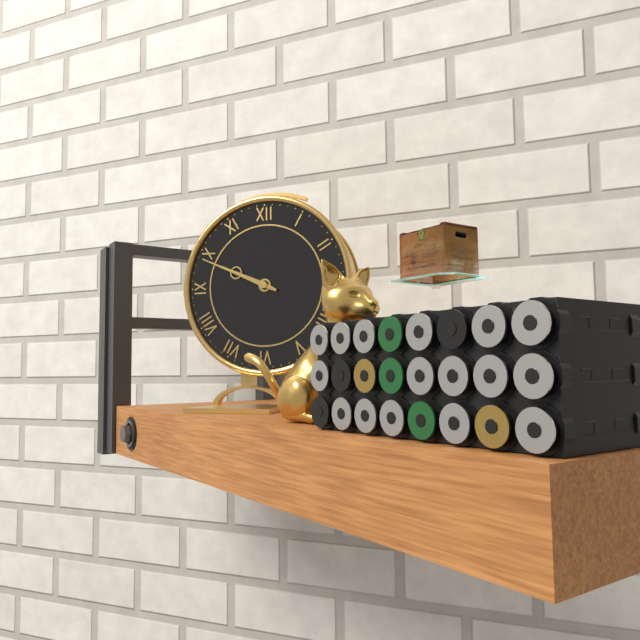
9:49
